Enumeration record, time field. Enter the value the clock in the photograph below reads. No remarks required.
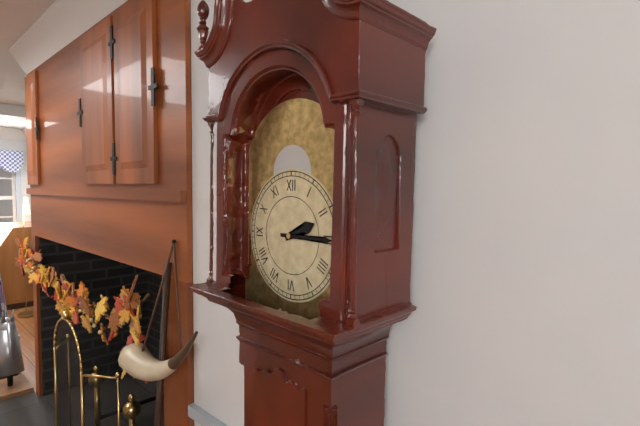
2:15
